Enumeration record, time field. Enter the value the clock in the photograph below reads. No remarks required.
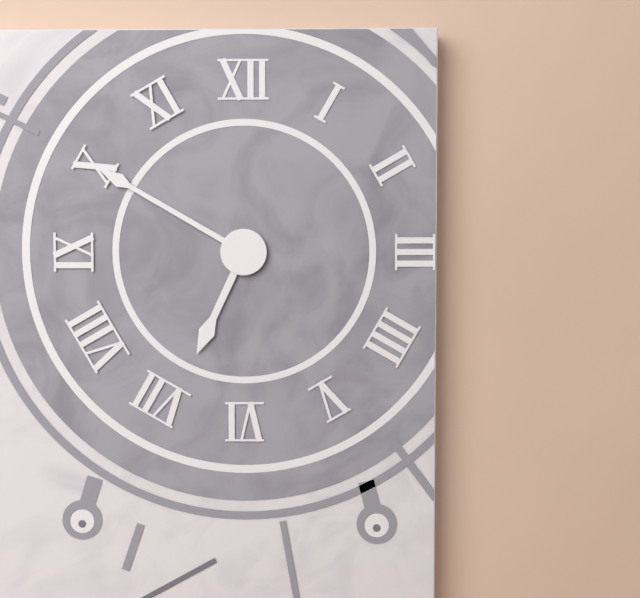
6:50
